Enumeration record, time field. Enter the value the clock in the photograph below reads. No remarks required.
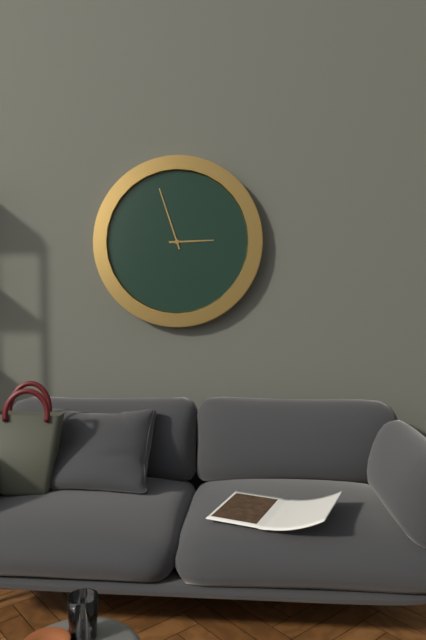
2:57
